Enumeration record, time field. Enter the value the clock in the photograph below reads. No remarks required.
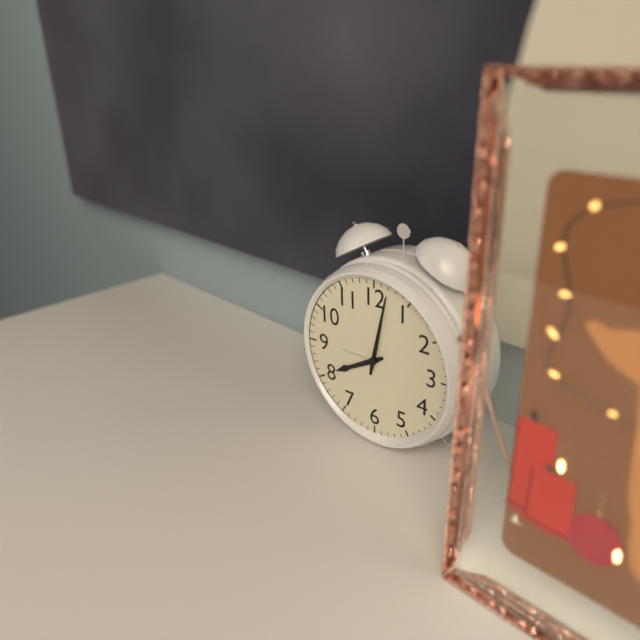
8:02
